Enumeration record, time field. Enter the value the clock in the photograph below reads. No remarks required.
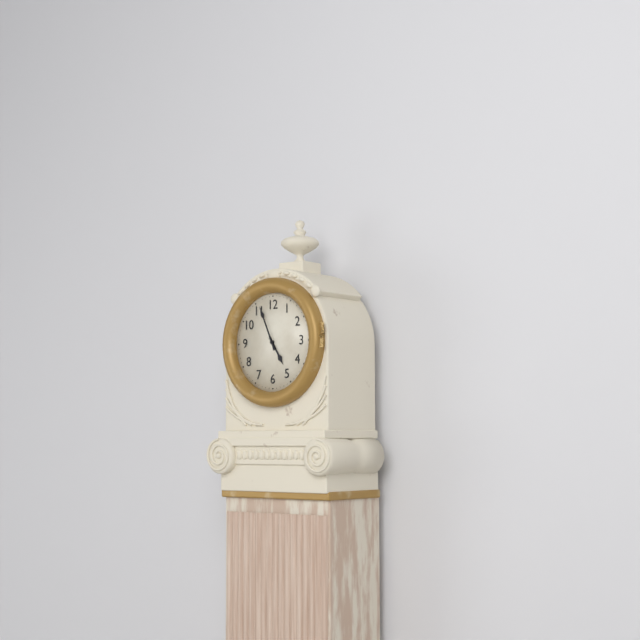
4:56
